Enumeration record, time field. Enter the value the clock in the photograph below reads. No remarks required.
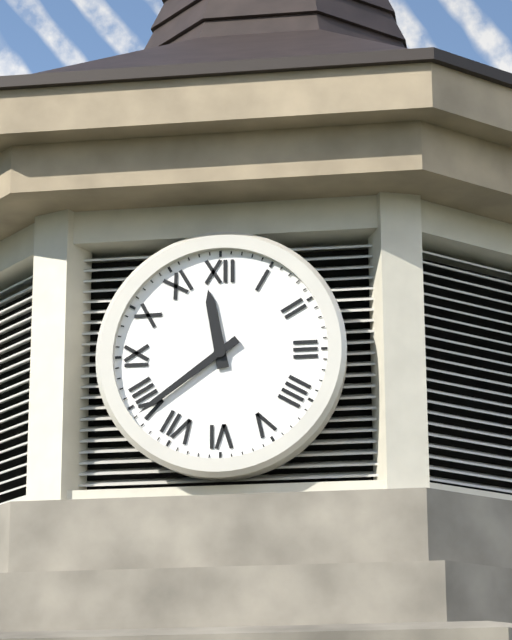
11:39
